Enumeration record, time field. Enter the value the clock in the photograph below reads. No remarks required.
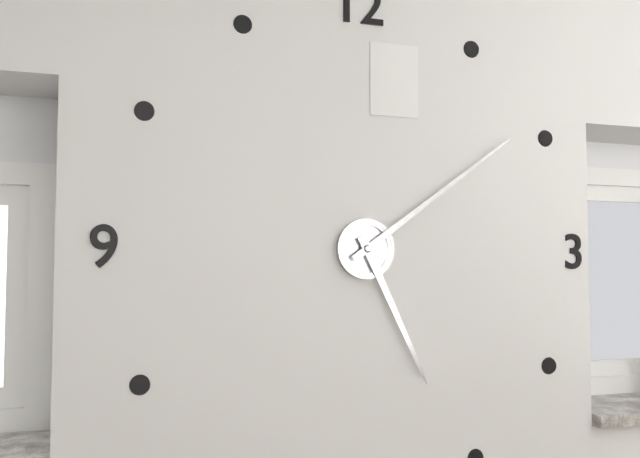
5:09
